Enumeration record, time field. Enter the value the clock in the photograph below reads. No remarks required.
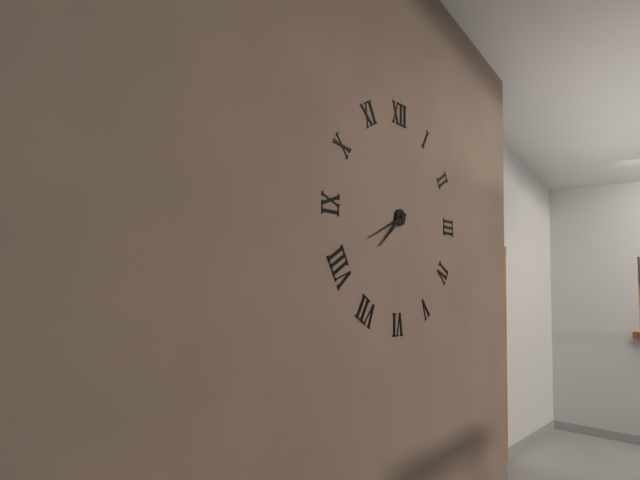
7:41
